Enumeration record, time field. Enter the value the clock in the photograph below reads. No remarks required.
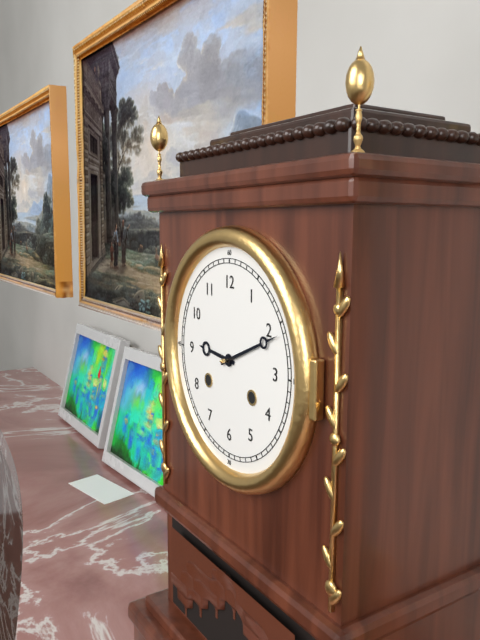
9:11
